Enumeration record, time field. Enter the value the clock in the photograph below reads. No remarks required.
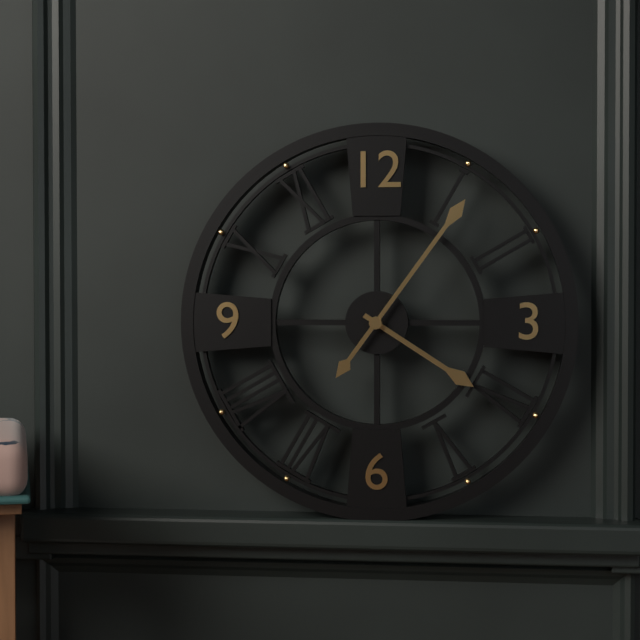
4:06
